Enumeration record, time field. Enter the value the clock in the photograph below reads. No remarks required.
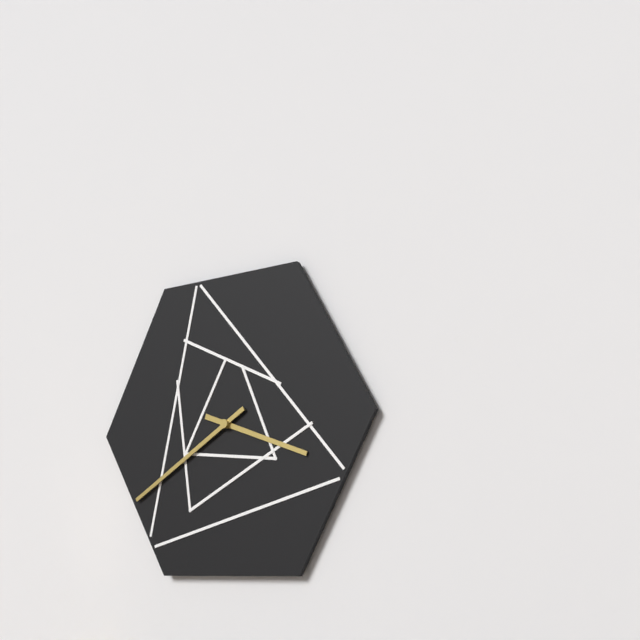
3:40
